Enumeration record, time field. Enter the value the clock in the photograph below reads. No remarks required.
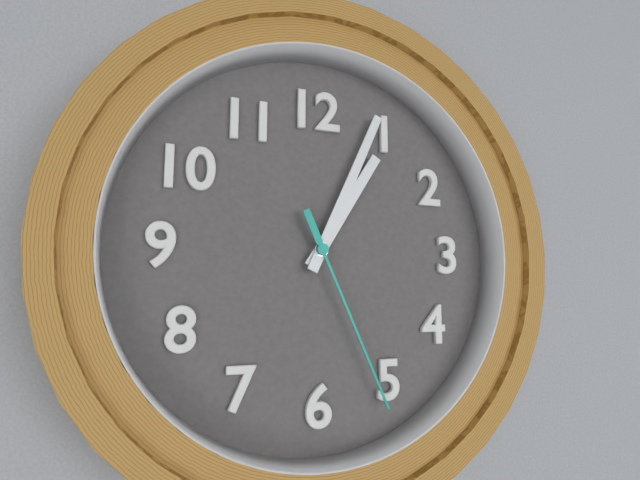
1:04:26
